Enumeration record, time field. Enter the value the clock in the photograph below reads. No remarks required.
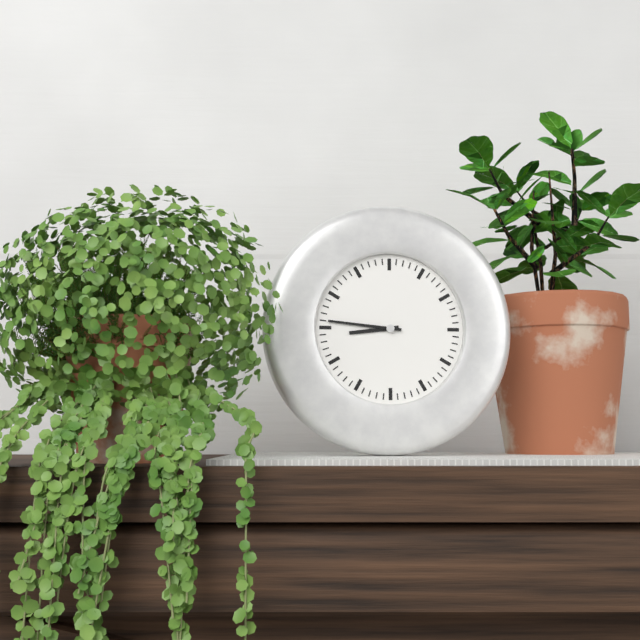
8:46
